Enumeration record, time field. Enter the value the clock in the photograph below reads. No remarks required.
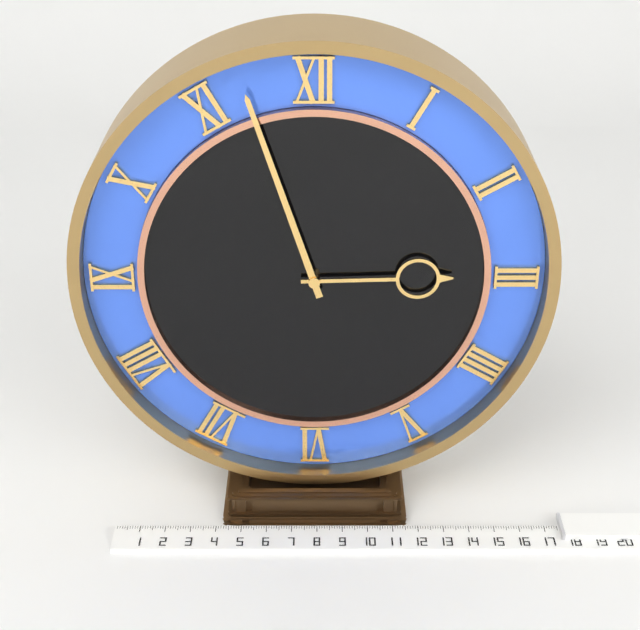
2:57
